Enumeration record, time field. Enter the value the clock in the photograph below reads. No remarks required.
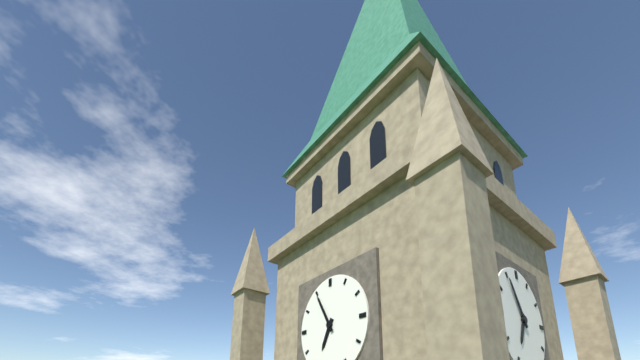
6:55
